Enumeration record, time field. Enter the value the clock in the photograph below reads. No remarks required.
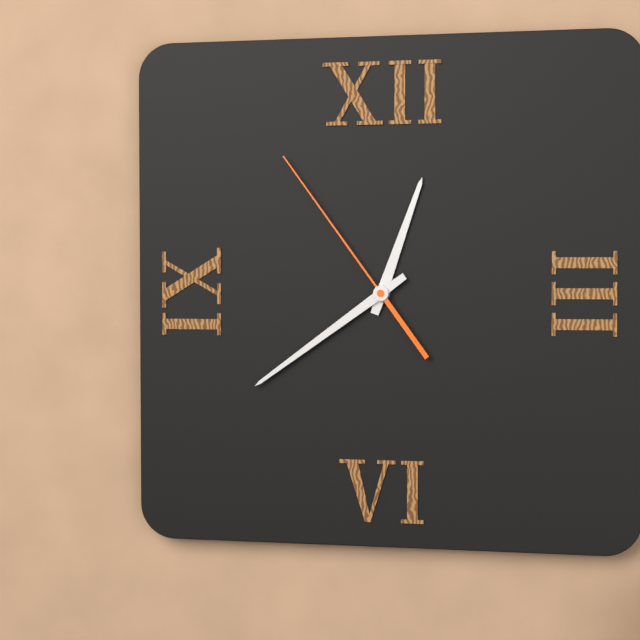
12:39:54
